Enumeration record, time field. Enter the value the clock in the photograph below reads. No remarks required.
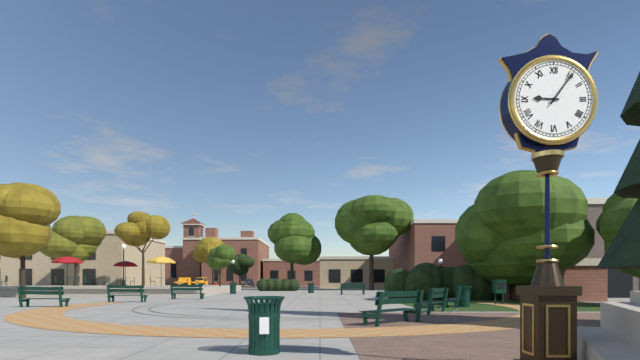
9:06
